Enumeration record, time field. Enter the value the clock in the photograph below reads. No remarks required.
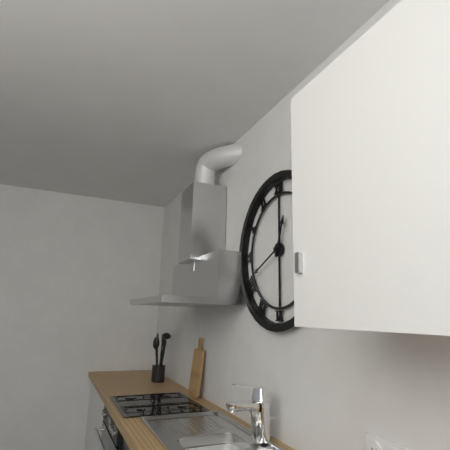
12:41
